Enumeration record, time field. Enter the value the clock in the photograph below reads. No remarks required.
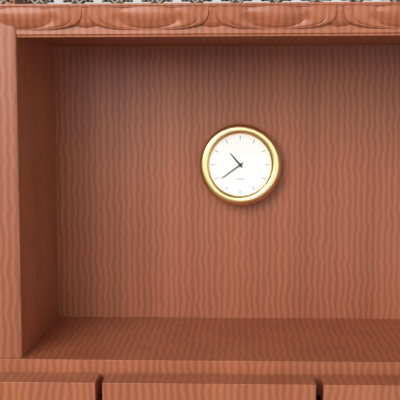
10:39
